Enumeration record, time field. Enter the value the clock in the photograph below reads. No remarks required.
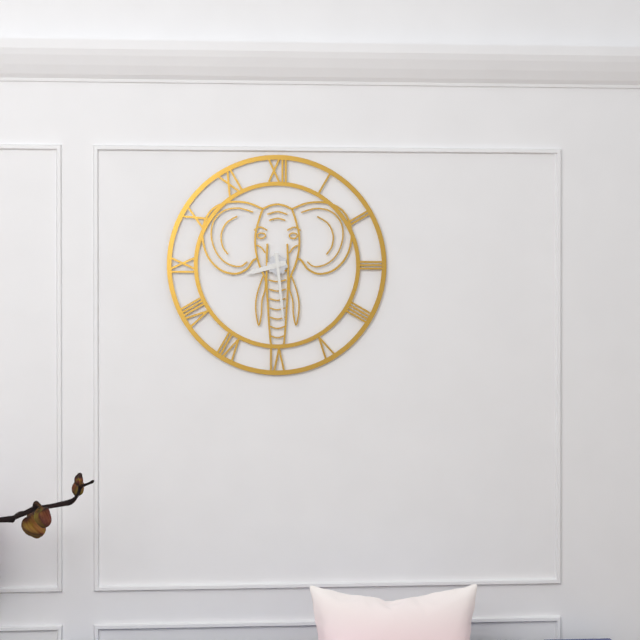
8:29
